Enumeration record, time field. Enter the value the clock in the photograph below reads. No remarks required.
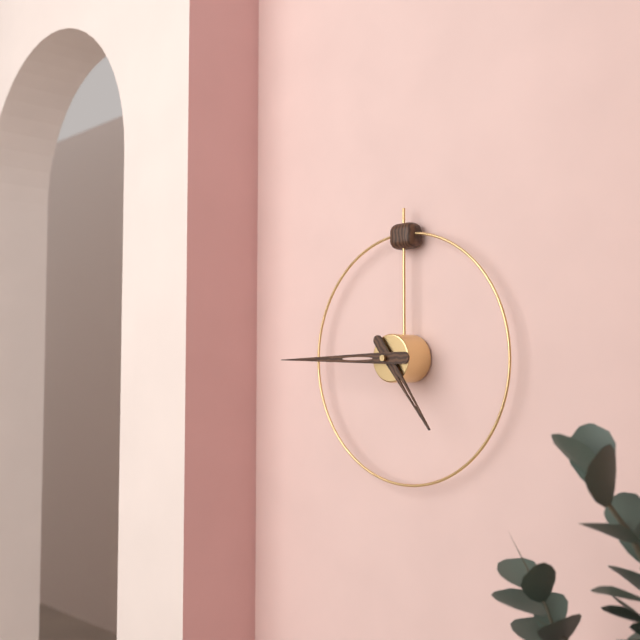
4:45
